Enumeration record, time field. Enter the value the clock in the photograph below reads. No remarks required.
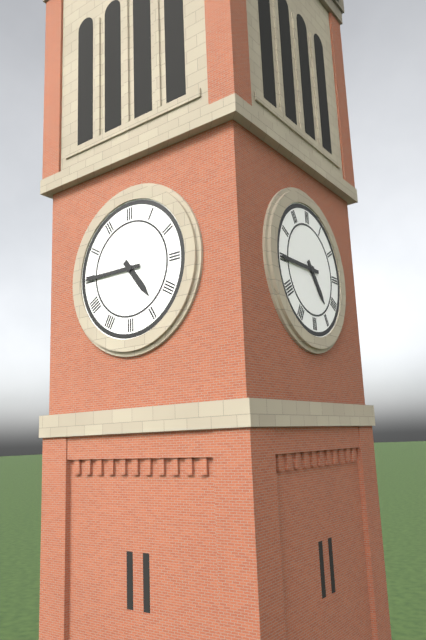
4:45
